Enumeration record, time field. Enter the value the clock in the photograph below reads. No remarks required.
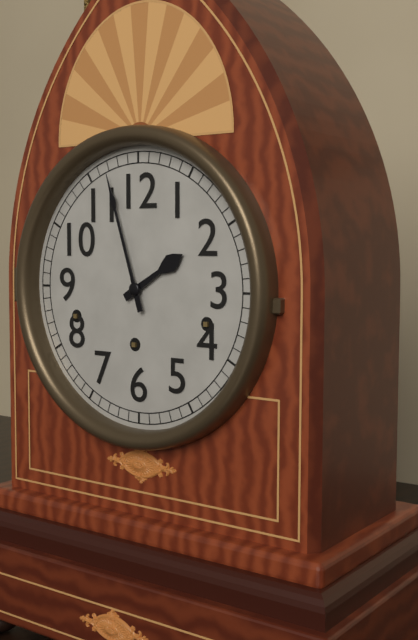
1:57
